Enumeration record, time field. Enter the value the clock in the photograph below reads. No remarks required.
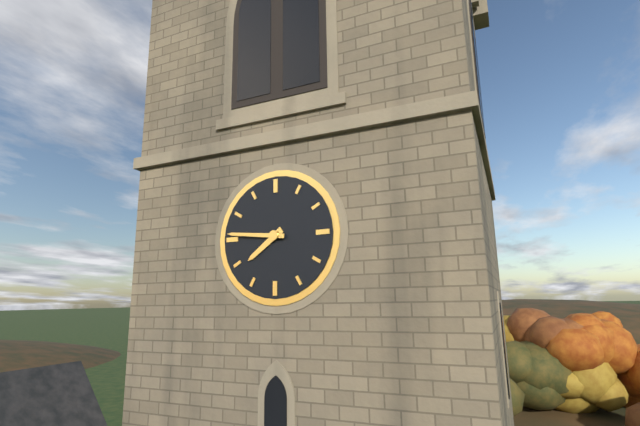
7:46
